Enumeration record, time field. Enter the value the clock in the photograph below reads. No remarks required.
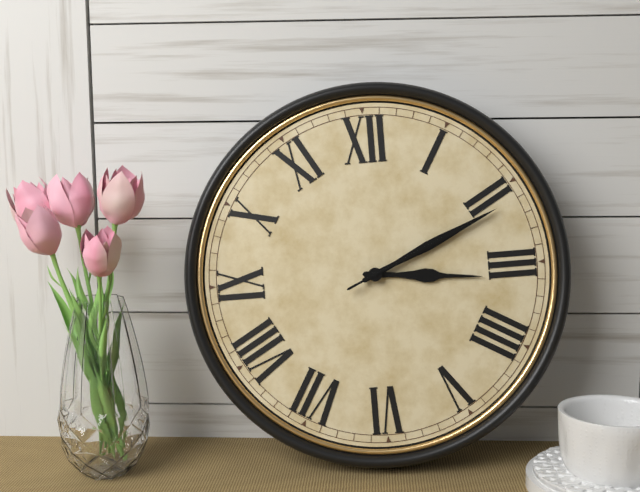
3:11:11
